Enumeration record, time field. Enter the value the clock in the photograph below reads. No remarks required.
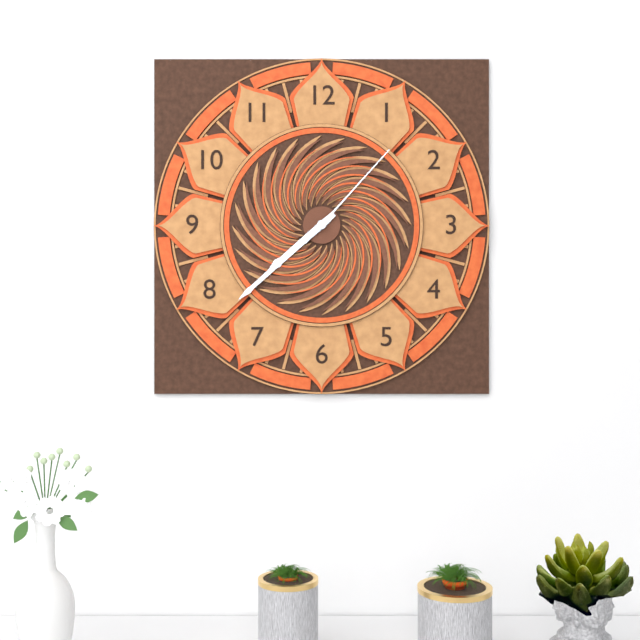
7:38:07
